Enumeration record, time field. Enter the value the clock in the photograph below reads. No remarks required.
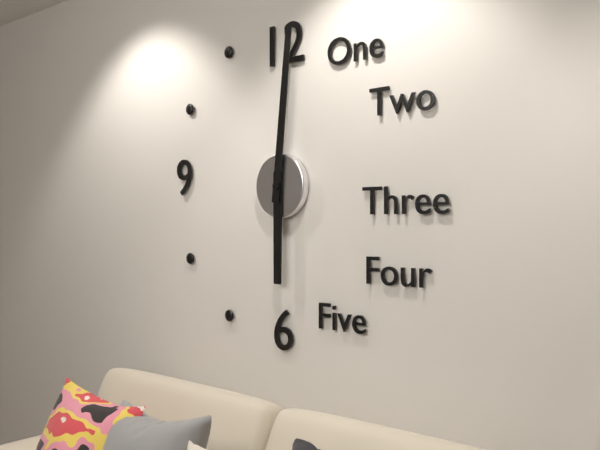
6:01
